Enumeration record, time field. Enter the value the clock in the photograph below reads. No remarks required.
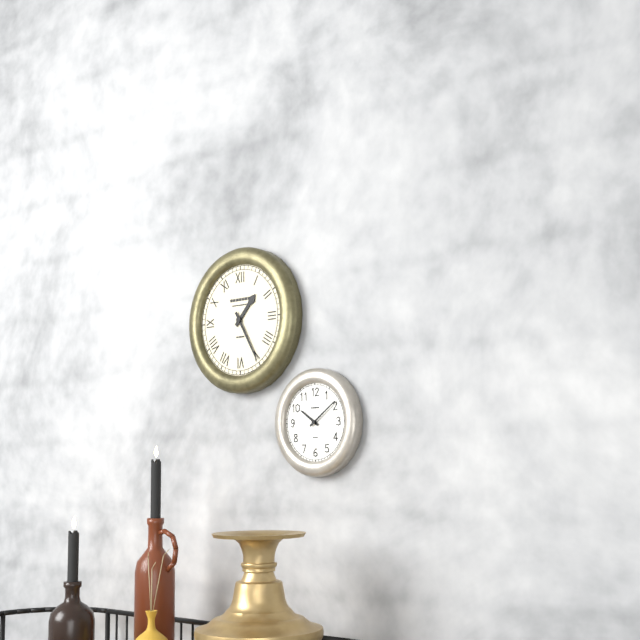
1:25
